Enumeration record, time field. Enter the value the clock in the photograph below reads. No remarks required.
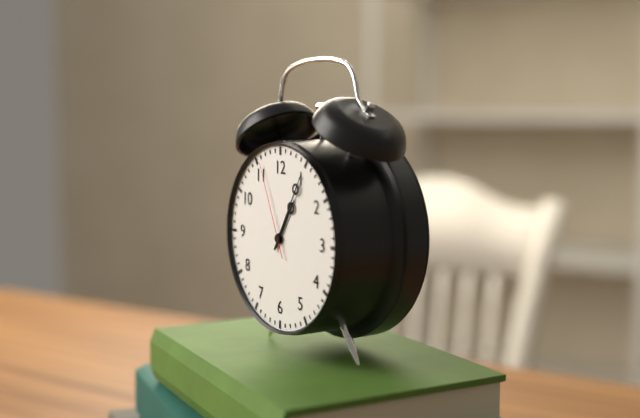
1:05:56
